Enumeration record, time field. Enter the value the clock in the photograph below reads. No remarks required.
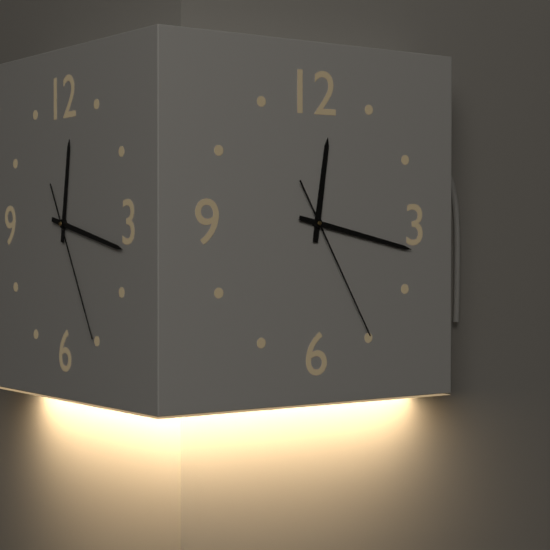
12:17:25
